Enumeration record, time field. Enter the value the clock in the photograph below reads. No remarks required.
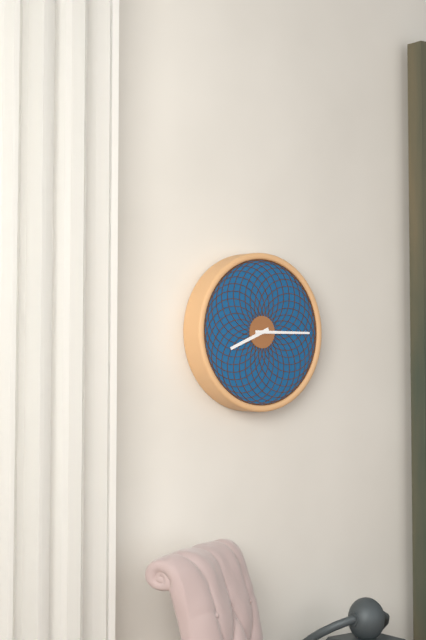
8:15
